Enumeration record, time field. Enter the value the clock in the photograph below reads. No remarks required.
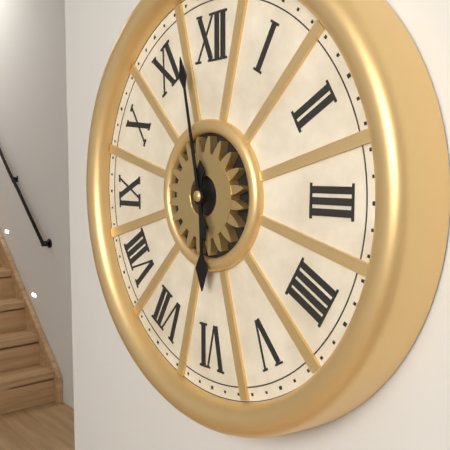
5:58
